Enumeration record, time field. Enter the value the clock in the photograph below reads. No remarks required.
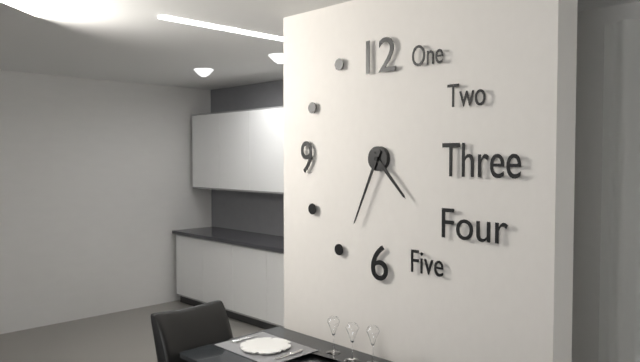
4:34
